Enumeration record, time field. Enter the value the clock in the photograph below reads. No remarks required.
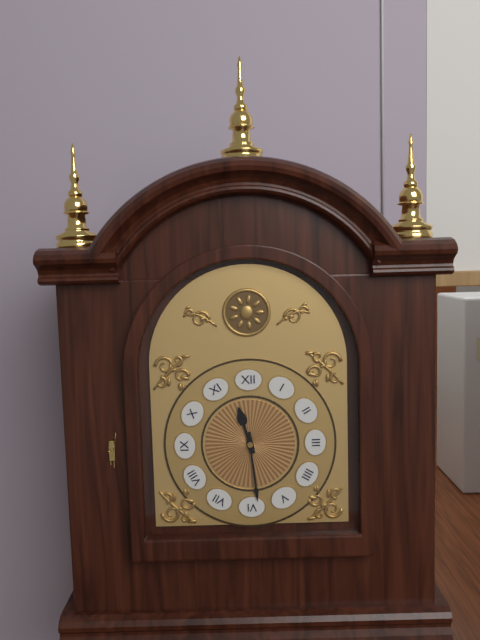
11:29
